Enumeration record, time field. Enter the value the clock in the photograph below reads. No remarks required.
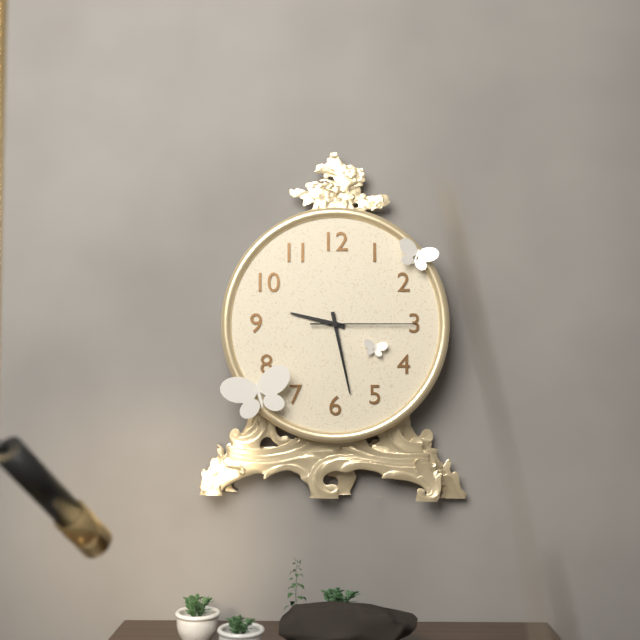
9:28:15
